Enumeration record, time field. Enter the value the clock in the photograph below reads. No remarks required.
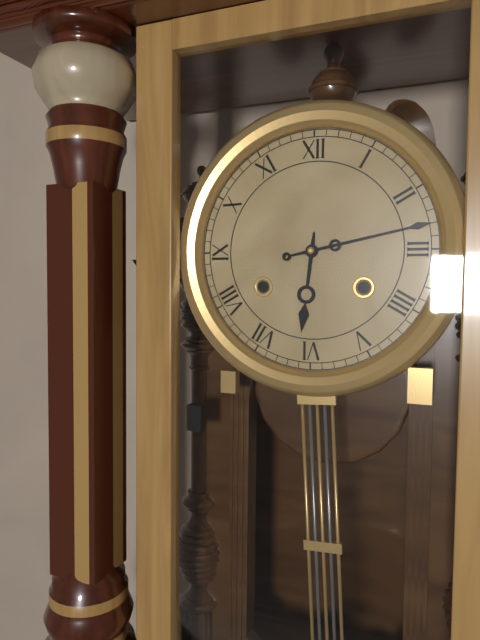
6:13
